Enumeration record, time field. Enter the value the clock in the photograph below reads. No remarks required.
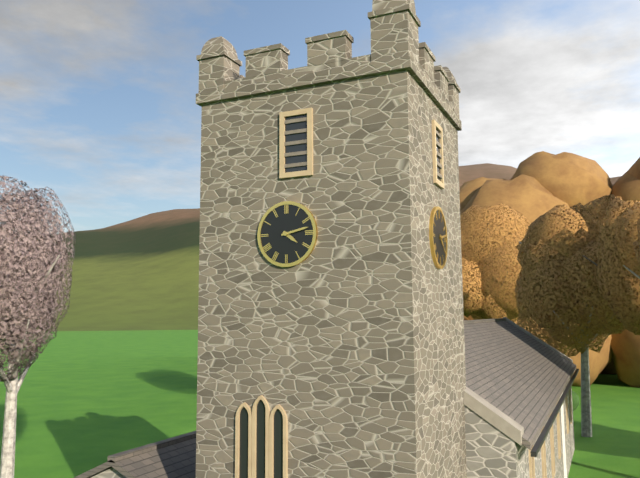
4:13
